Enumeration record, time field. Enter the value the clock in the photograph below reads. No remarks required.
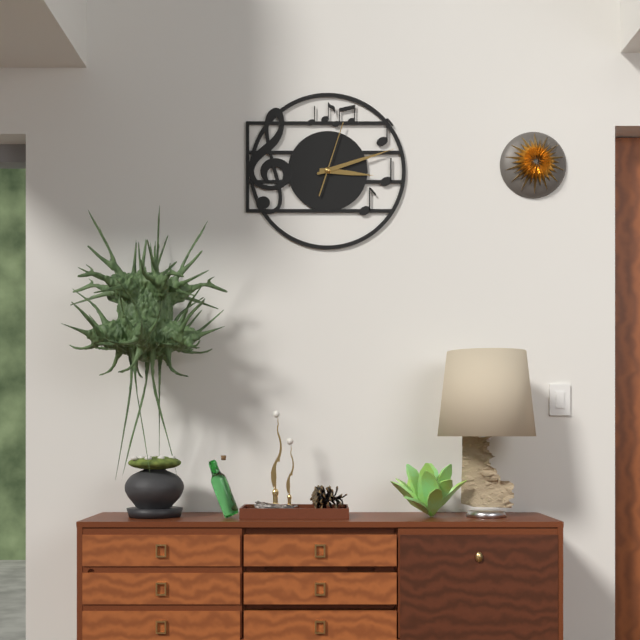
3:12:03
